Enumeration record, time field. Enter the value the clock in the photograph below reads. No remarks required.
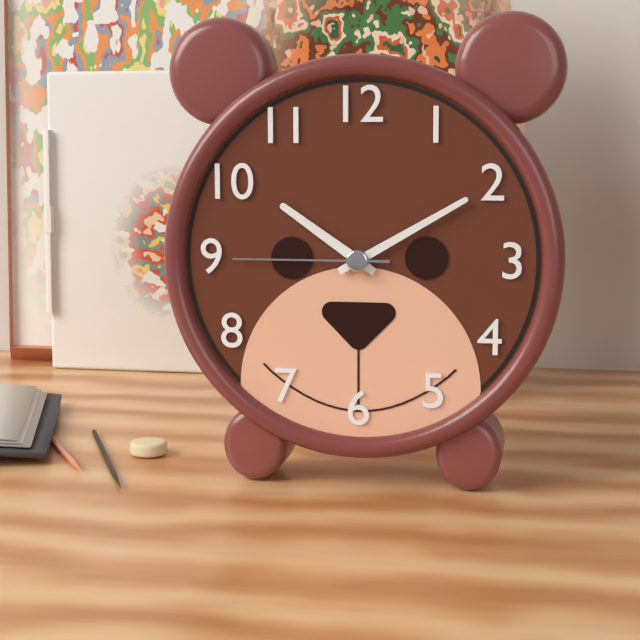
10:10:45
